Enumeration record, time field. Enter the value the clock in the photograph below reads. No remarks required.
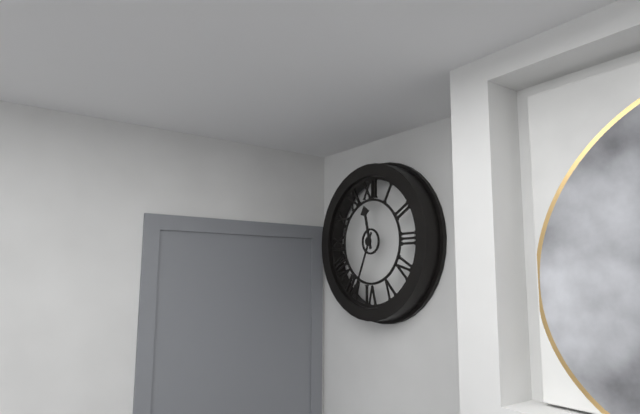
11:34
